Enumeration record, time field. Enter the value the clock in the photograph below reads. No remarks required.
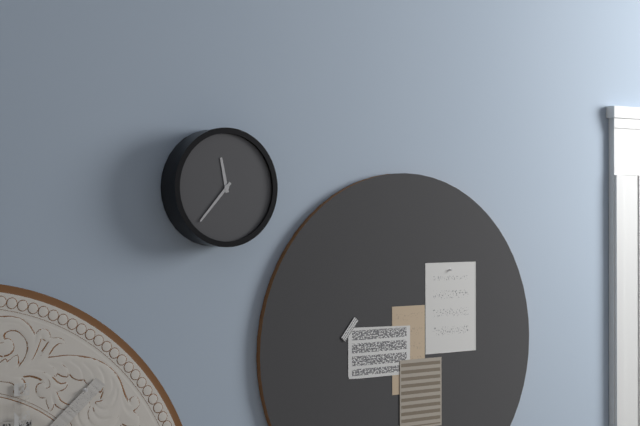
11:37
